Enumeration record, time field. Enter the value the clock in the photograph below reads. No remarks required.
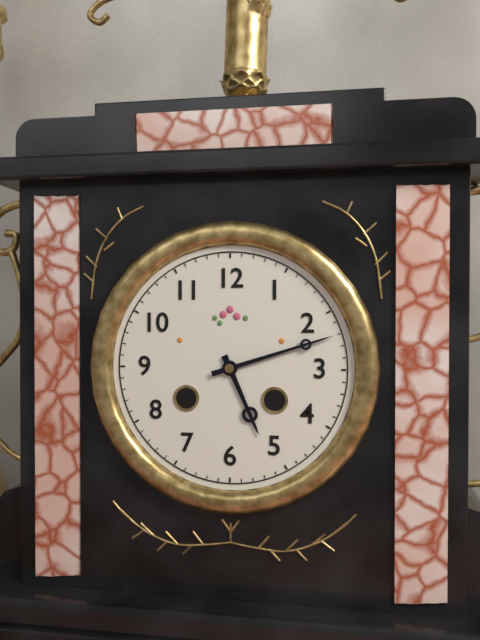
5:12
